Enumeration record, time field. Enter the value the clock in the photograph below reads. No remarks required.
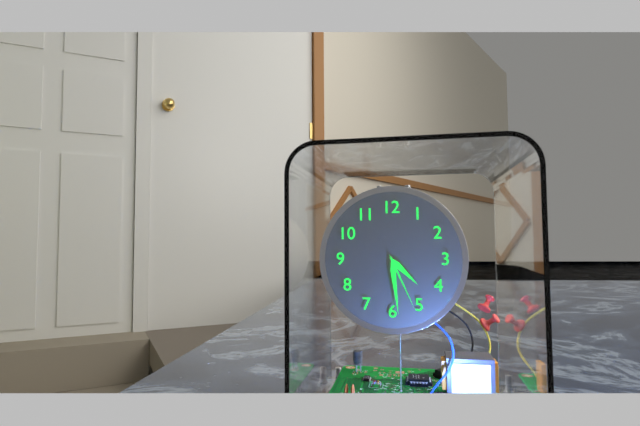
4:29:26
